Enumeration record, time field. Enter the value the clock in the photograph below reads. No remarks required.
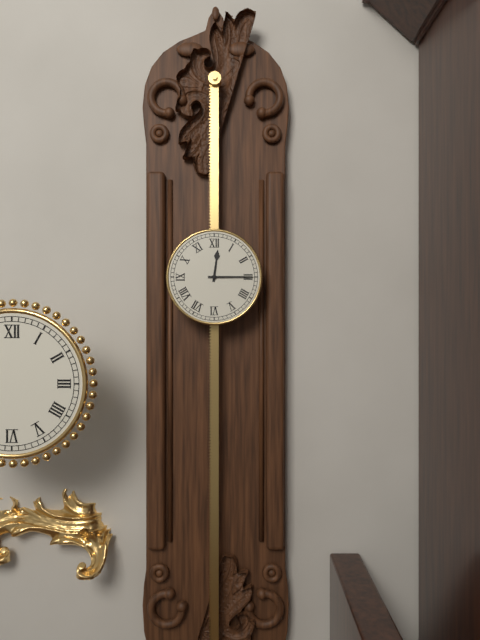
12:15
